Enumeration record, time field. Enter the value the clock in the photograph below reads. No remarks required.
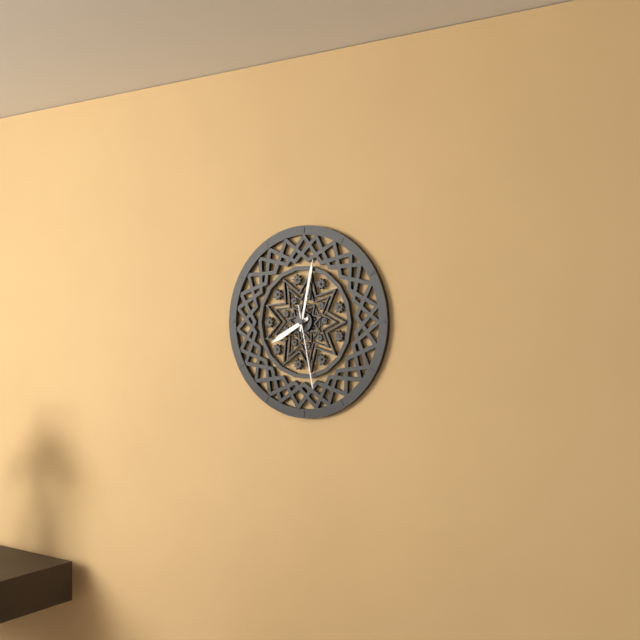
8:02:28
